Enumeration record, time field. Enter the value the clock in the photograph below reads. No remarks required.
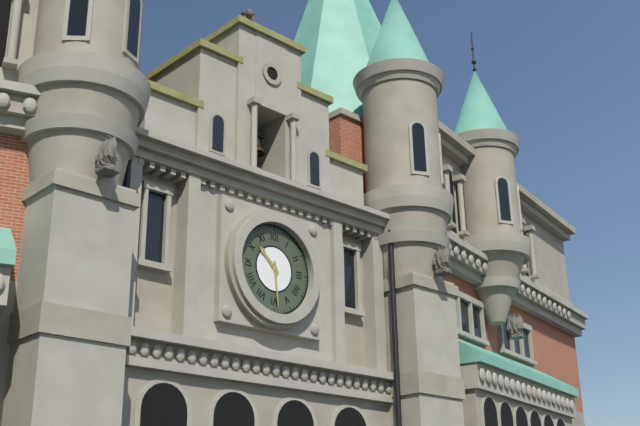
10:29
